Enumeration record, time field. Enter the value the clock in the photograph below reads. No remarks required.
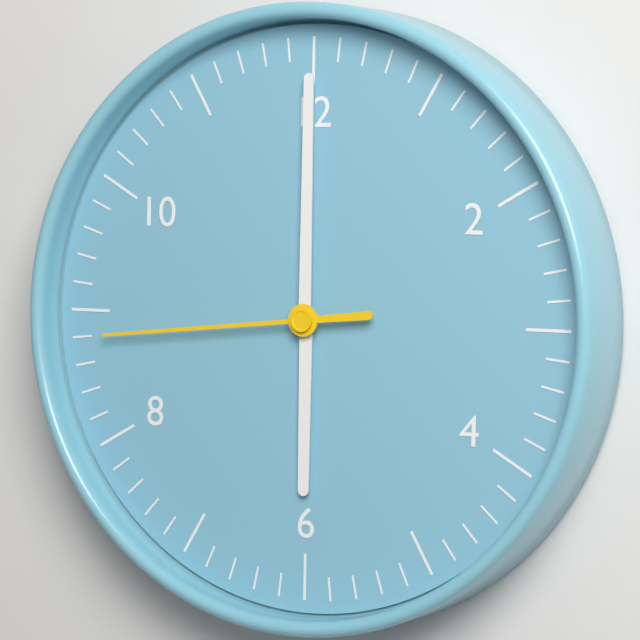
6:00:44
